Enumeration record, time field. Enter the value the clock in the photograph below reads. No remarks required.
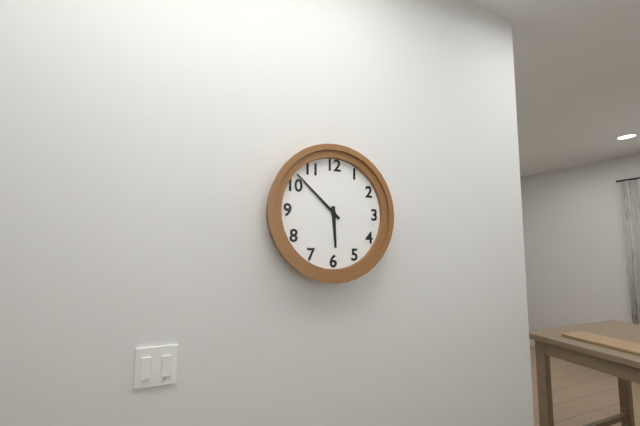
5:52
